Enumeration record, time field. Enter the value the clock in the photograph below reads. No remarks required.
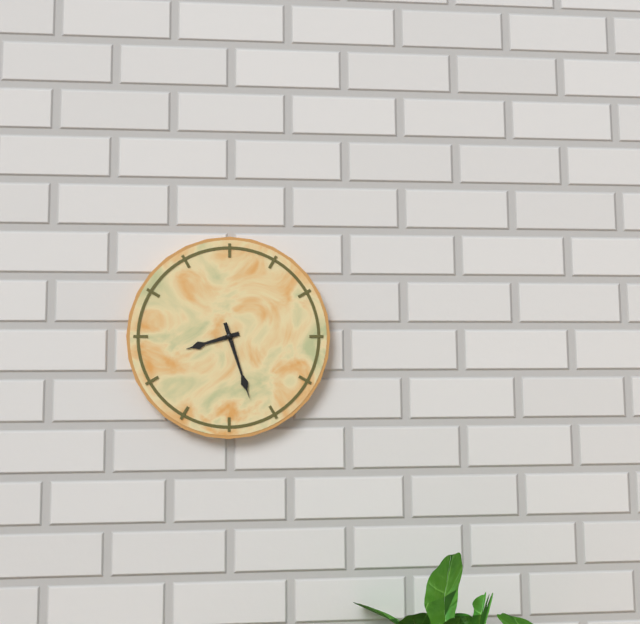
8:27
